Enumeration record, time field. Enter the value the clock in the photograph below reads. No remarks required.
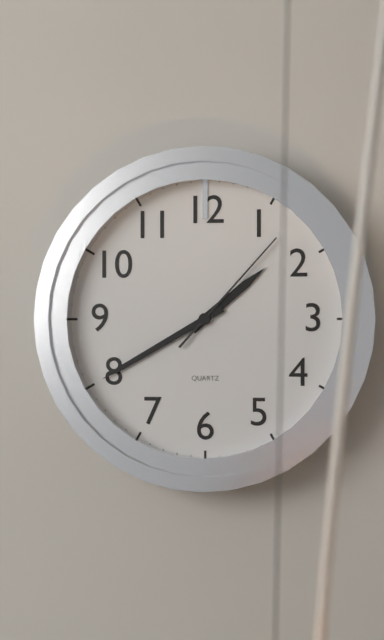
1:40:07
